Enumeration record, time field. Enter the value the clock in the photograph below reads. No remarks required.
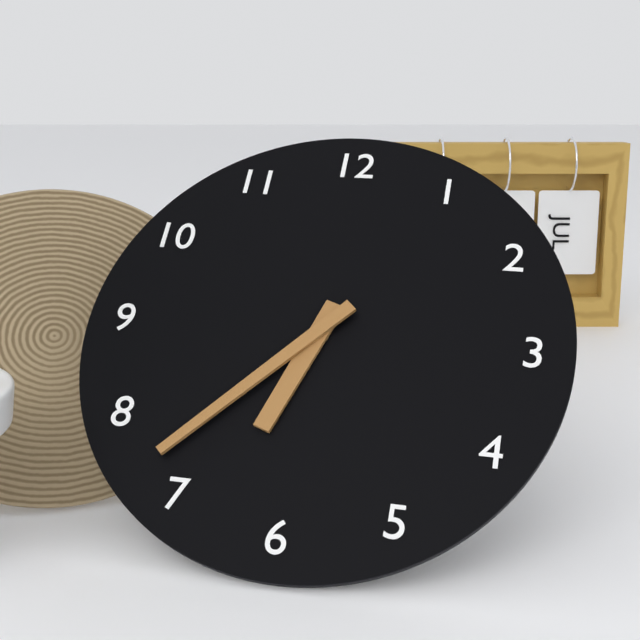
6:37
